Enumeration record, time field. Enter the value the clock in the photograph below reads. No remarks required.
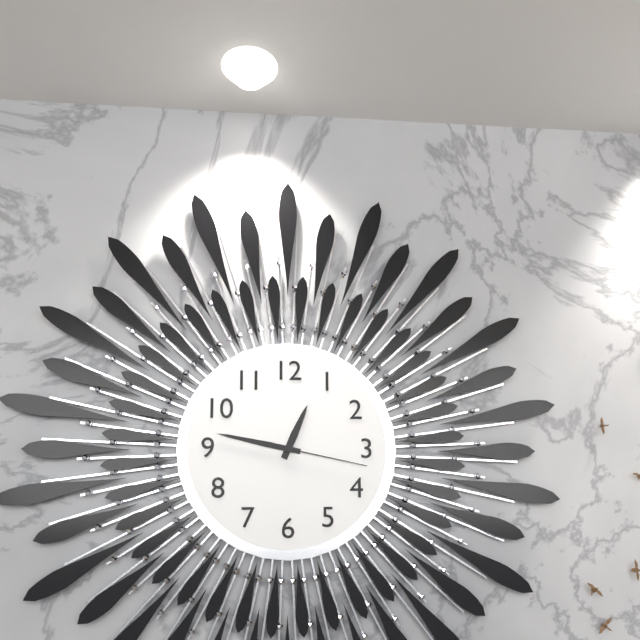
12:47:17
